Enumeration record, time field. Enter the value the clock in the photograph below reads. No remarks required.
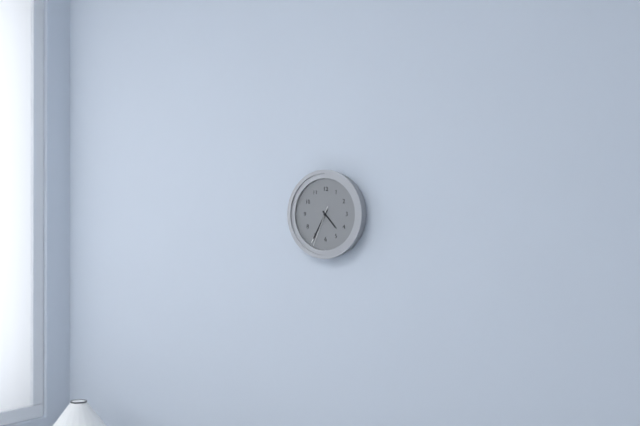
4:35
